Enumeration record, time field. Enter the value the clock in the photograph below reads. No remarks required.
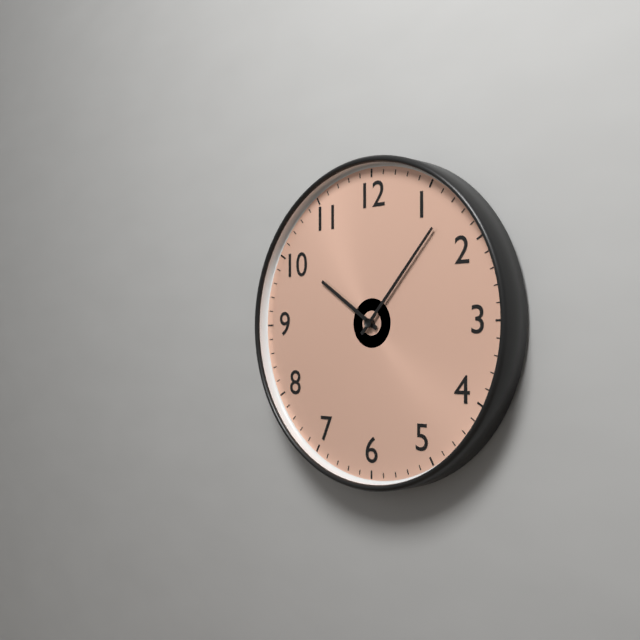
10:07
